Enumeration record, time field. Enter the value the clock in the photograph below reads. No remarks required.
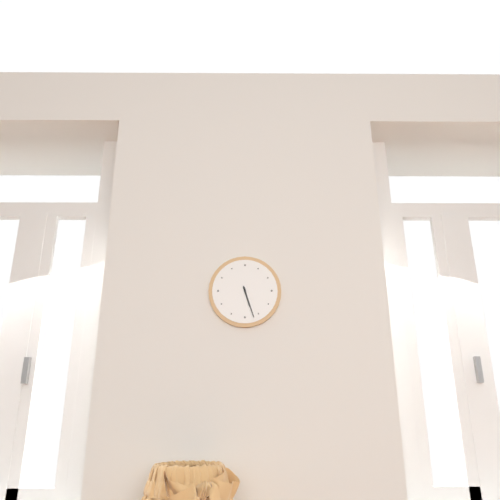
5:27
